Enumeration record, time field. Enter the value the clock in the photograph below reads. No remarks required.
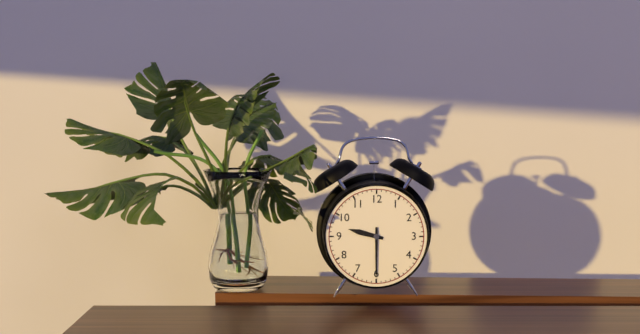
9:30
